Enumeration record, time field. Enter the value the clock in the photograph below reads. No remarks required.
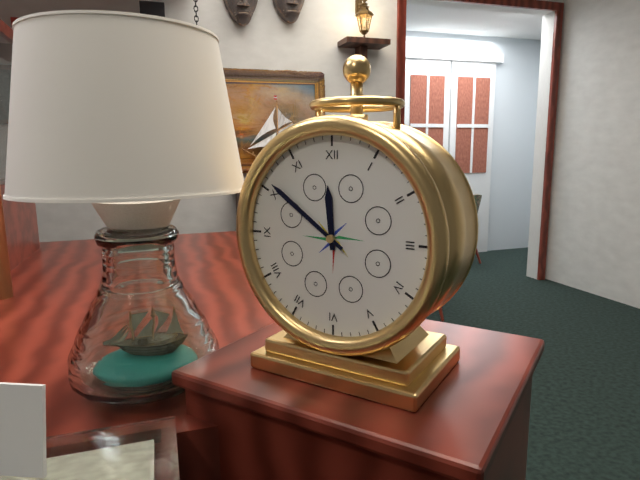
11:51
